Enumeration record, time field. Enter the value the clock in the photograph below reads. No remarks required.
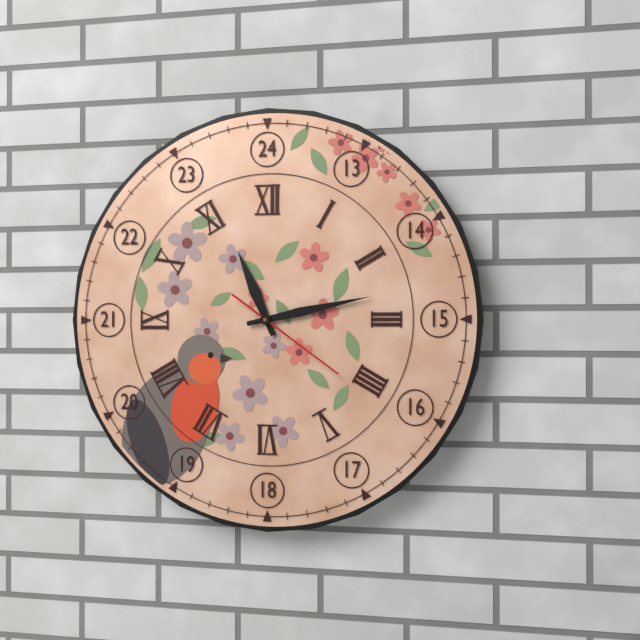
11:13:21
